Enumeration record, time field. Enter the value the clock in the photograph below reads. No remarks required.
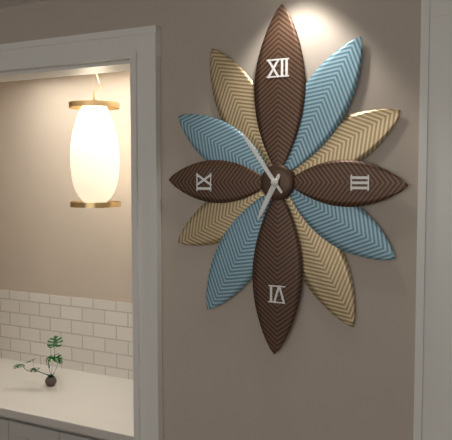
6:54
